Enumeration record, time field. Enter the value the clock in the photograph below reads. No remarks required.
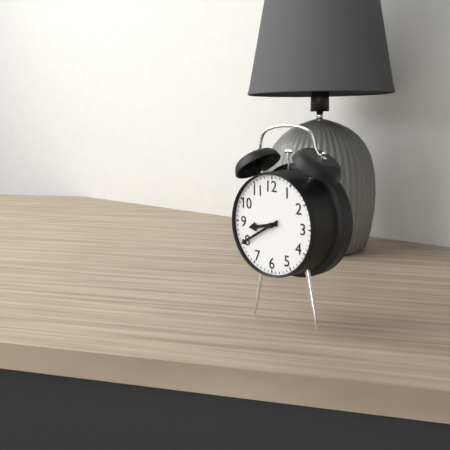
8:40
